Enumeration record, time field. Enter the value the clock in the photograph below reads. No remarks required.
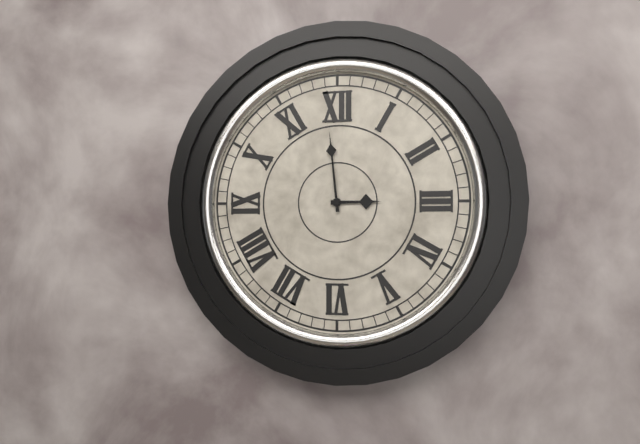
2:59
